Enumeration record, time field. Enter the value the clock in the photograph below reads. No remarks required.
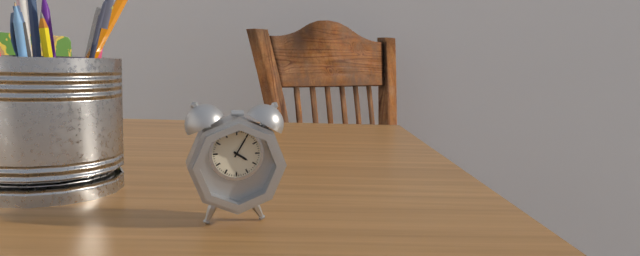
4:05
